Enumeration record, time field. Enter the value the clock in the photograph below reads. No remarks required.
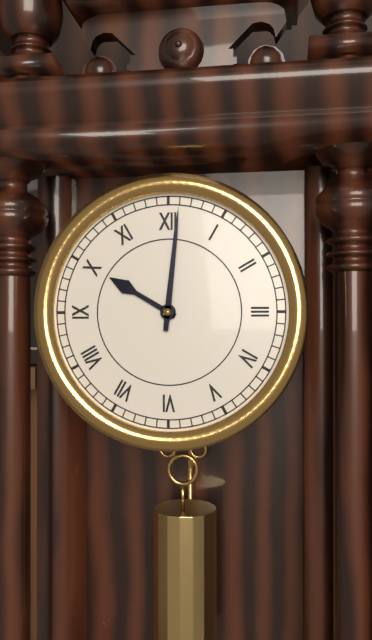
10:01
